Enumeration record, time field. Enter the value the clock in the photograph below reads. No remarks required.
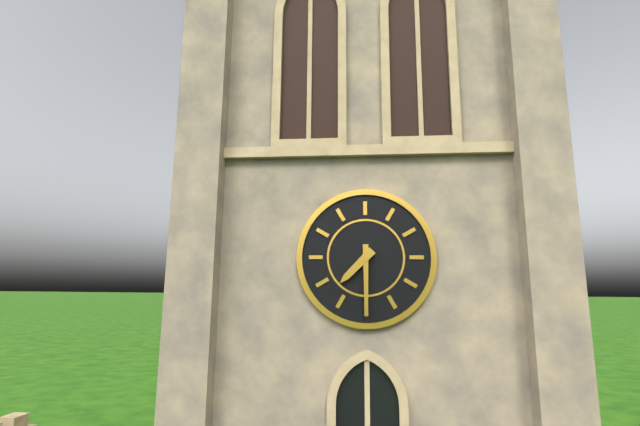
7:30
